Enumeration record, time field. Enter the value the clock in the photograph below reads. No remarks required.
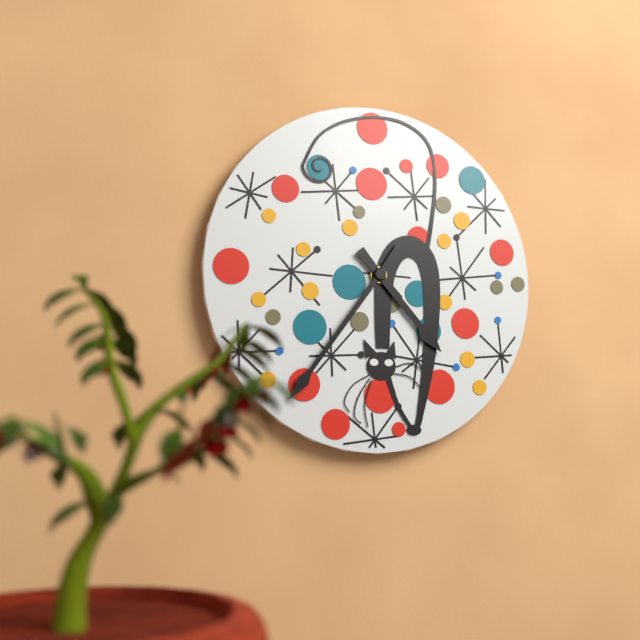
4:36
